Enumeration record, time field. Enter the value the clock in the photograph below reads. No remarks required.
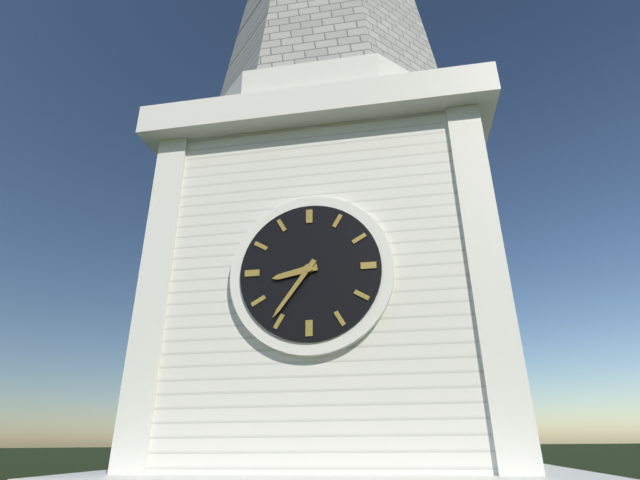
8:36
